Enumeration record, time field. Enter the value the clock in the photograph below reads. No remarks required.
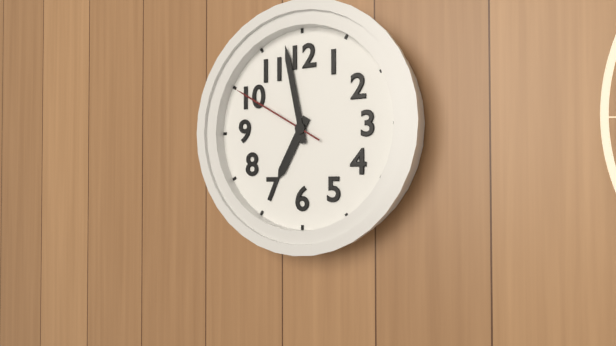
6:58:50
